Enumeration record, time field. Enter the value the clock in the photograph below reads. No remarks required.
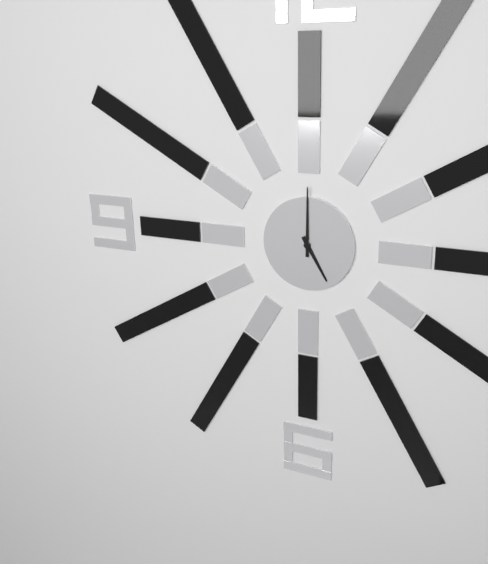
5:00
